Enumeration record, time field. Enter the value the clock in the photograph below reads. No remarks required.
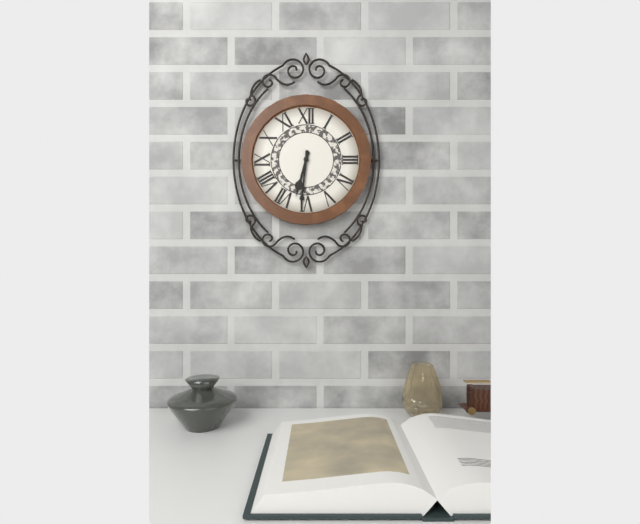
6:31
